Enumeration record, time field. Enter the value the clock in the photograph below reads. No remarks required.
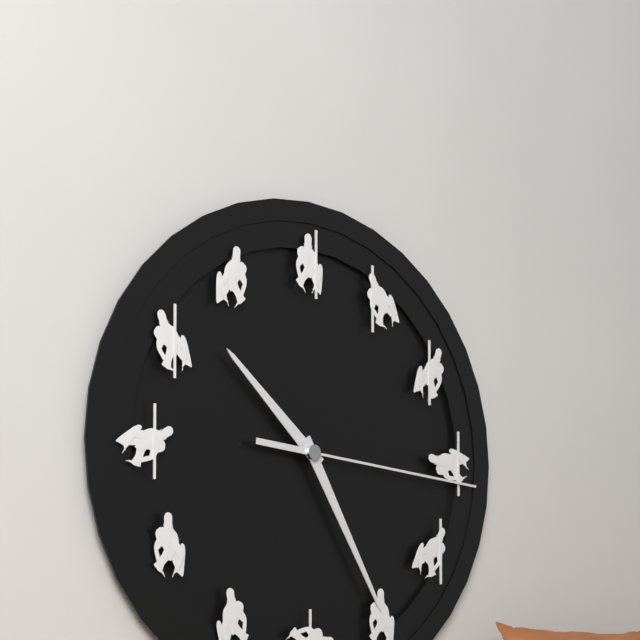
10:25:16
